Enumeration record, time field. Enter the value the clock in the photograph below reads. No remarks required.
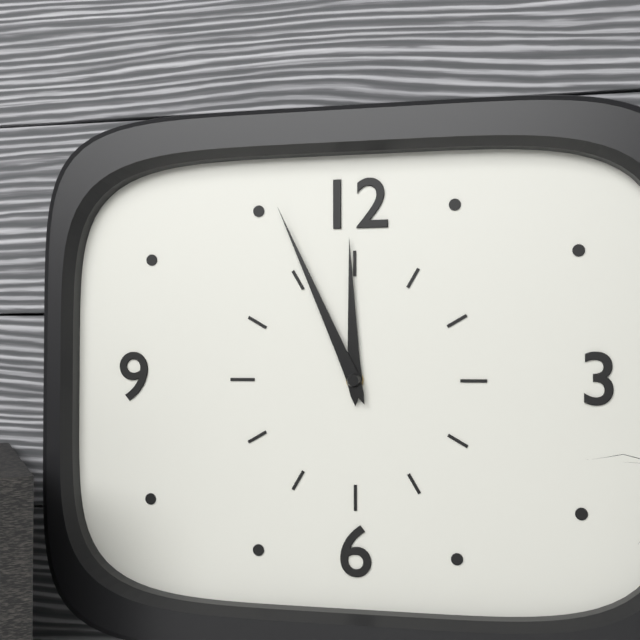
11:56
